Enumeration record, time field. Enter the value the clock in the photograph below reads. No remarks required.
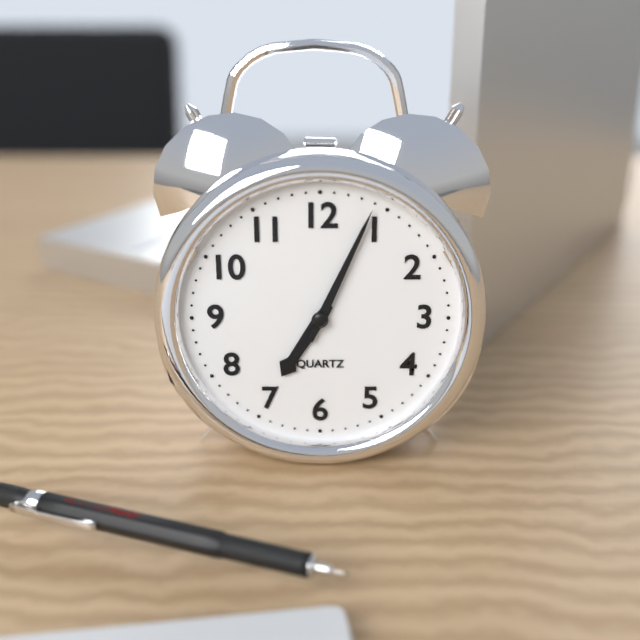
7:04
